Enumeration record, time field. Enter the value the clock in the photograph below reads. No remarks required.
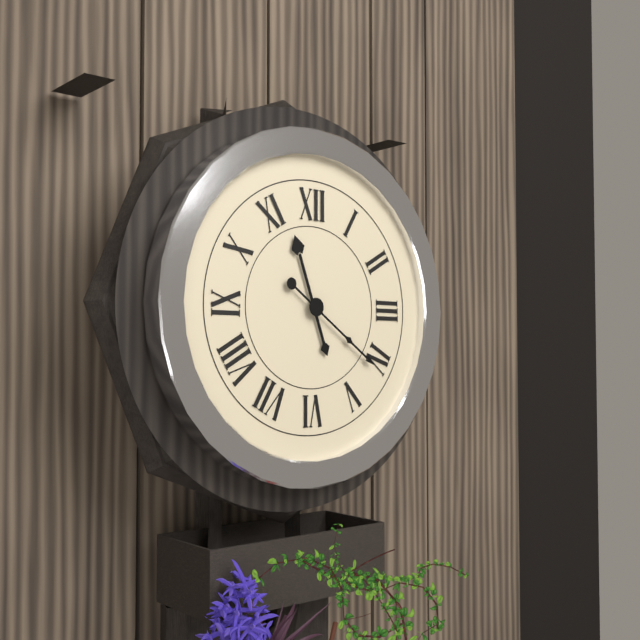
11:21
